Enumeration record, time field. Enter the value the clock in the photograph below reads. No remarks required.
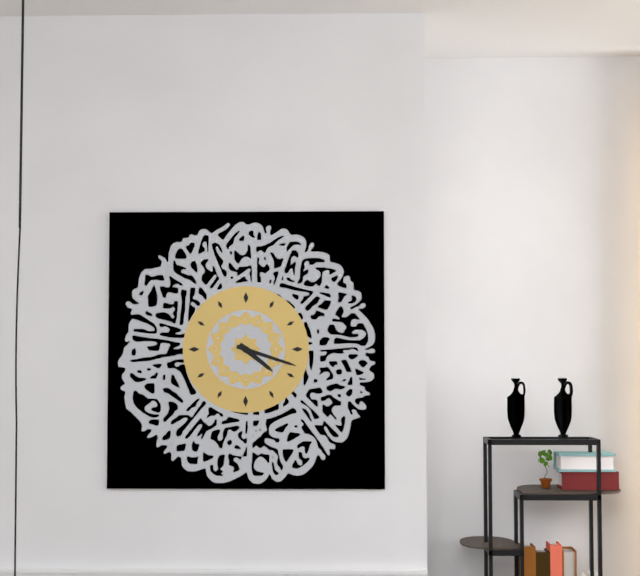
4:18
